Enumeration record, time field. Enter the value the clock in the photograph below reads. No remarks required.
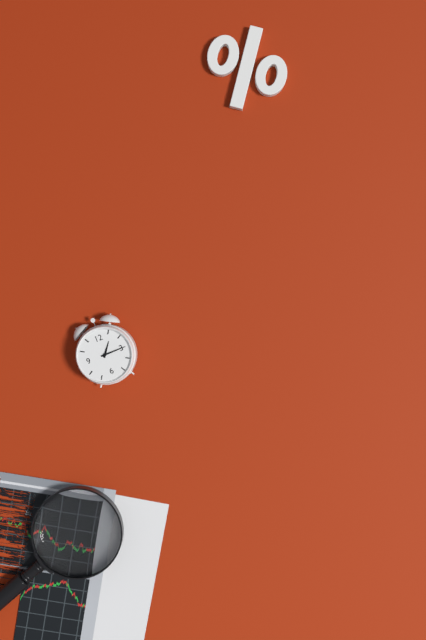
1:15
